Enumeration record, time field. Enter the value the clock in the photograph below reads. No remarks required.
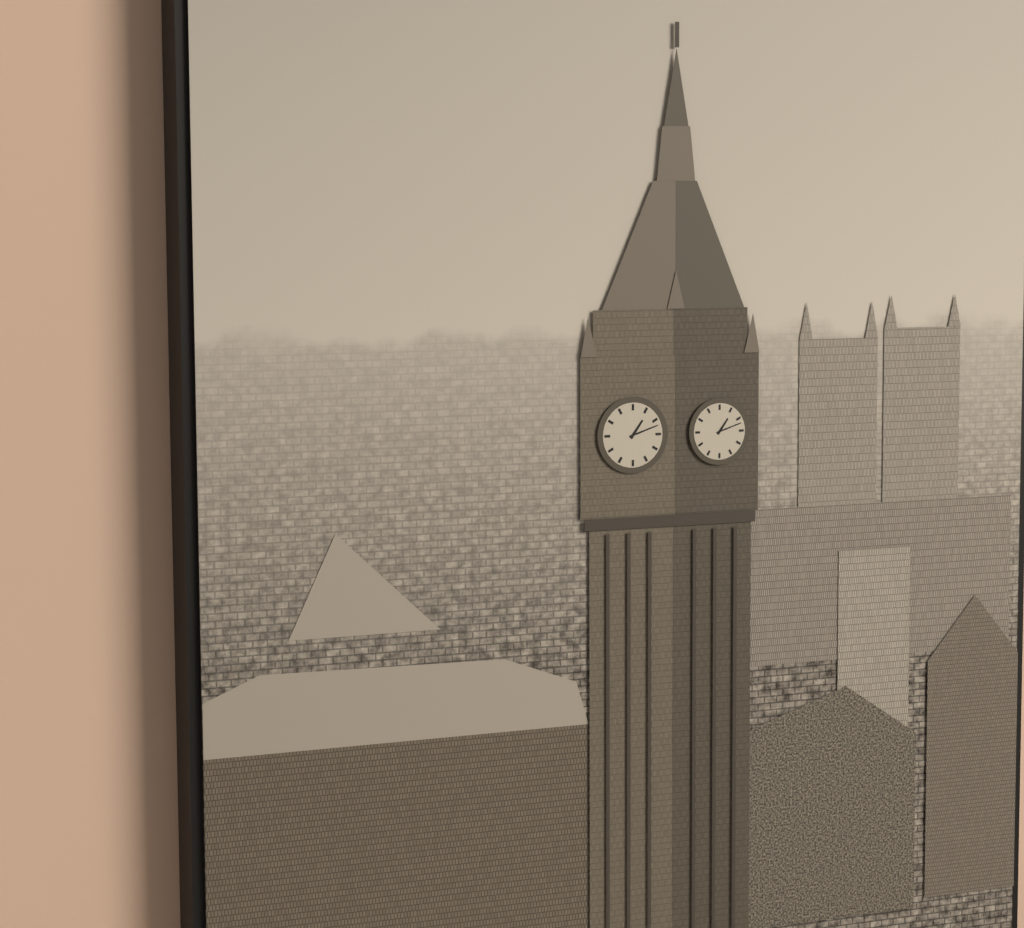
1:12
